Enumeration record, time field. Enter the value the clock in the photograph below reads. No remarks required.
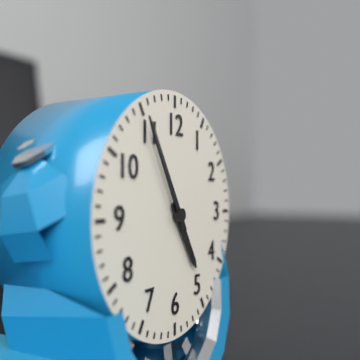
4:55
